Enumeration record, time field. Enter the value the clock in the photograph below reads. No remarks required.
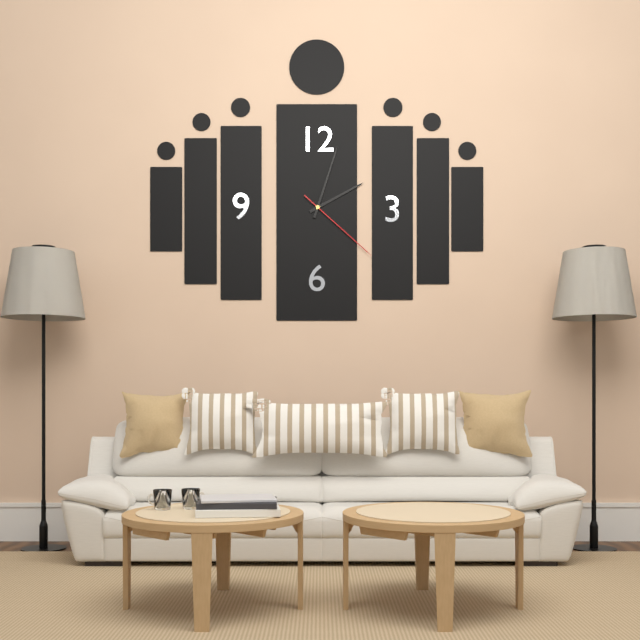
2:03:22
